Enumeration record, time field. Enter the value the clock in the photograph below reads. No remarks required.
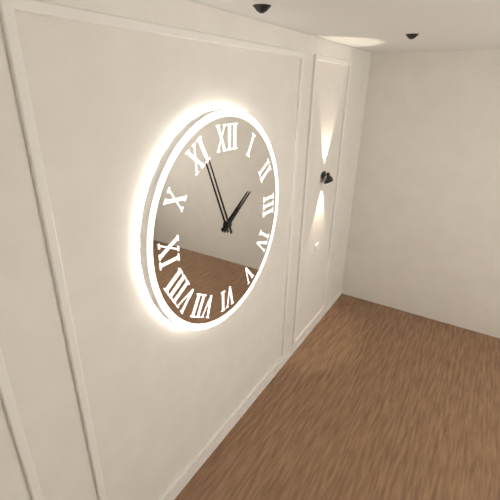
1:56
